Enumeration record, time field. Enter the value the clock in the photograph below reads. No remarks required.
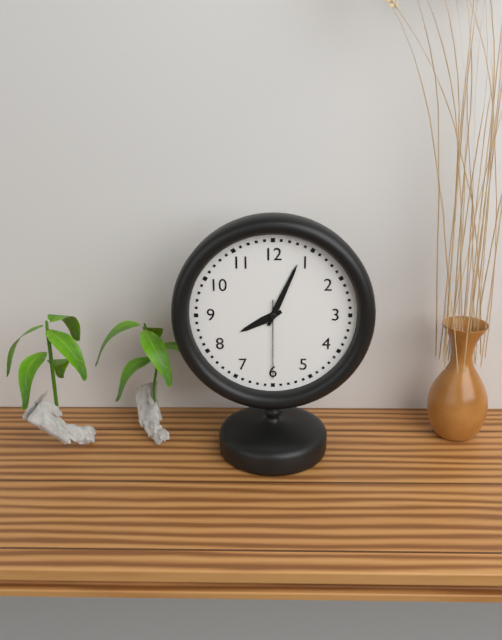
8:04:30
